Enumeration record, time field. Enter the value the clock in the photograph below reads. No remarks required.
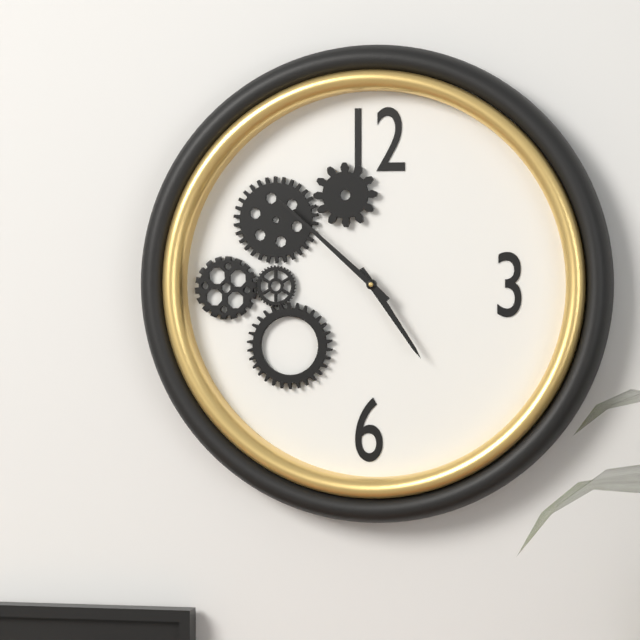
4:52
